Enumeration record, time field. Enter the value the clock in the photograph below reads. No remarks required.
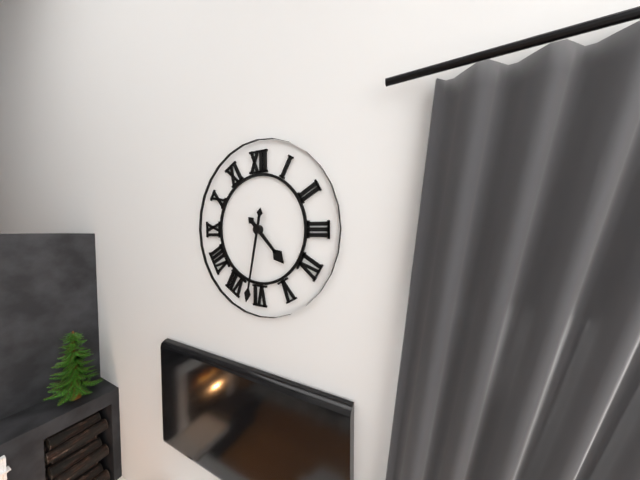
4:32
